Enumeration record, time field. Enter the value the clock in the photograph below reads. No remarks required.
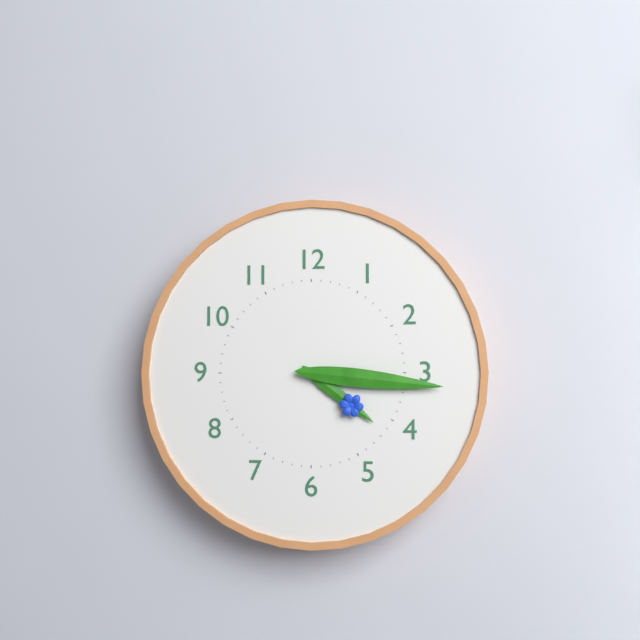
4:16
